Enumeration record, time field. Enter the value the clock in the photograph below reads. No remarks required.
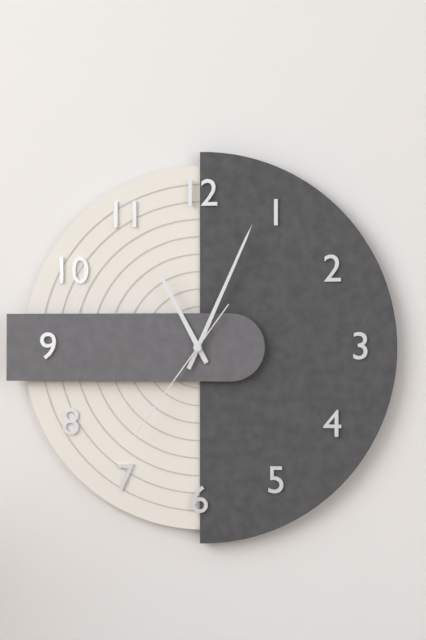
11:04:36
